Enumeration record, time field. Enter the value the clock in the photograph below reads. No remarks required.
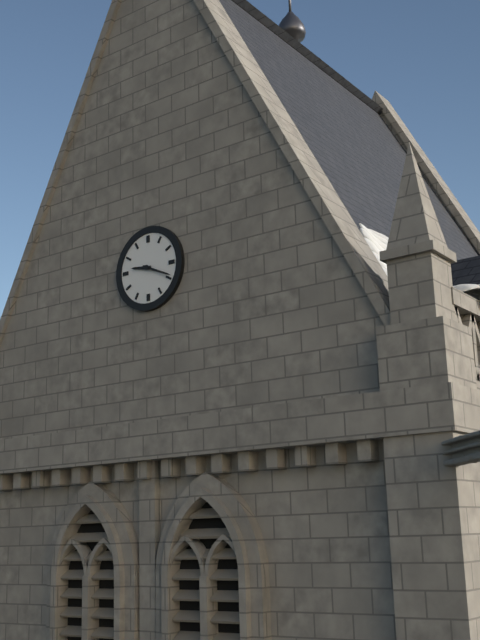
9:19
